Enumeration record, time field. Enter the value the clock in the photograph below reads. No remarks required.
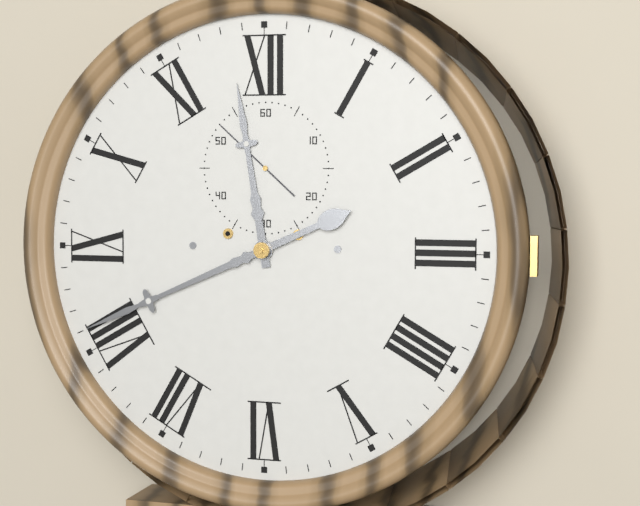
11:41:52
